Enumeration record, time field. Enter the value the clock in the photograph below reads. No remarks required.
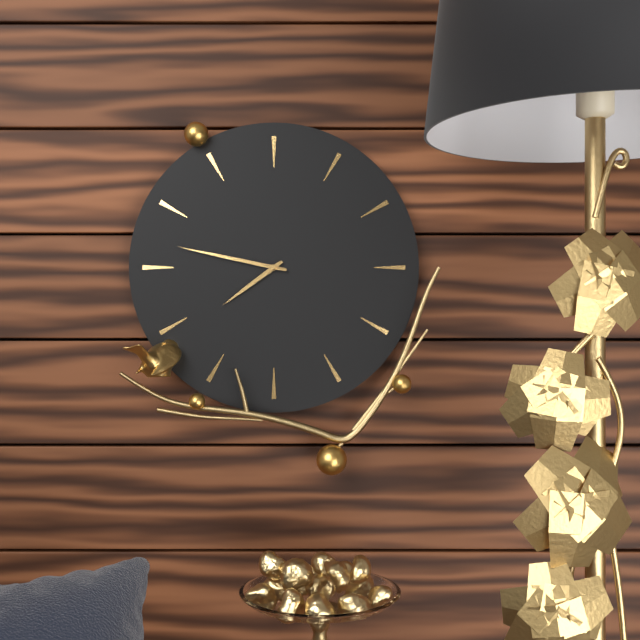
7:47
